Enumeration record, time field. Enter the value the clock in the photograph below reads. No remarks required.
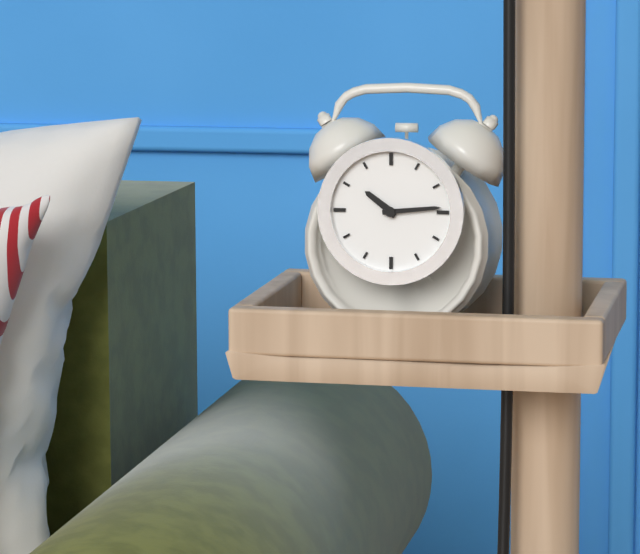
10:14
